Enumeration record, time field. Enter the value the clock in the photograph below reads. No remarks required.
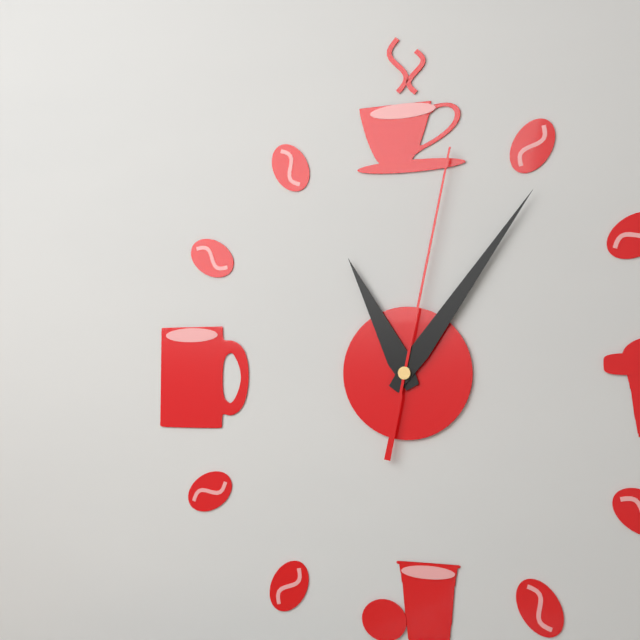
11:06:02
